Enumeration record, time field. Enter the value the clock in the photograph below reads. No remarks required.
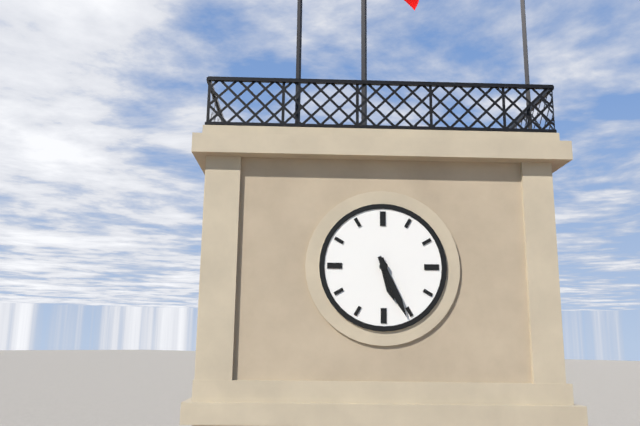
5:26
